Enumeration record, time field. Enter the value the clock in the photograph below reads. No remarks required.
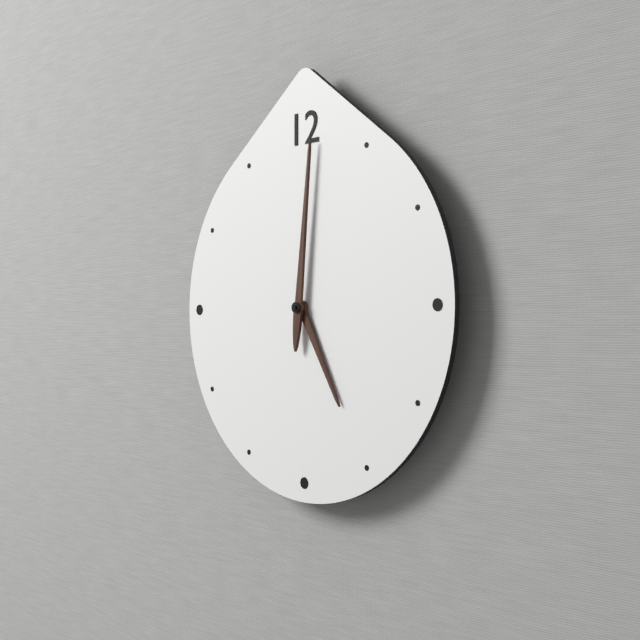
5:01
